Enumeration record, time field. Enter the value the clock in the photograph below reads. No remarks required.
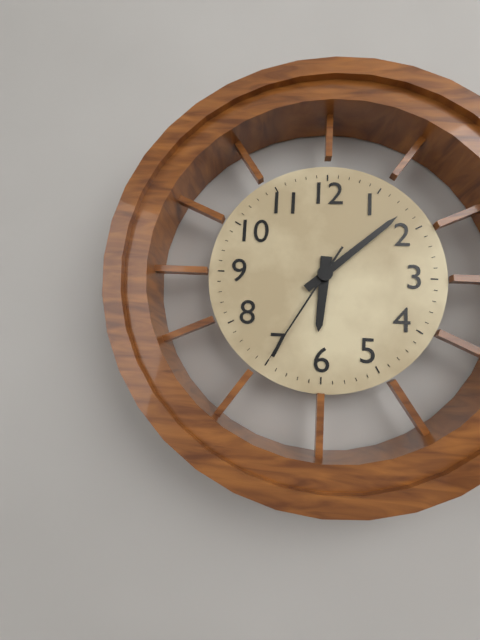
6:08:35
